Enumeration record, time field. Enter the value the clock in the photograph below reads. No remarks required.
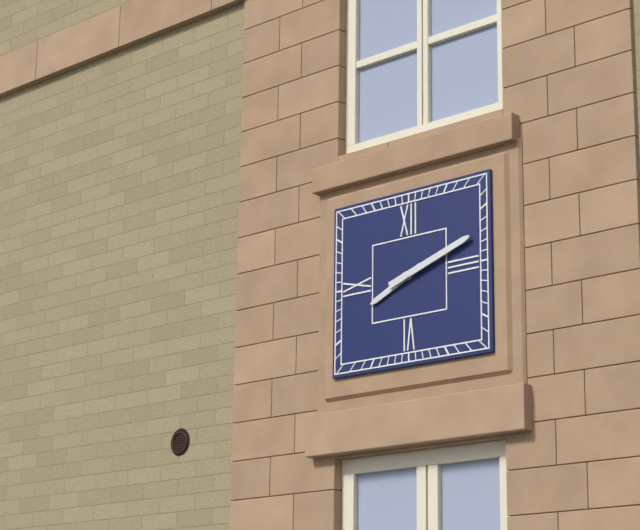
8:12
